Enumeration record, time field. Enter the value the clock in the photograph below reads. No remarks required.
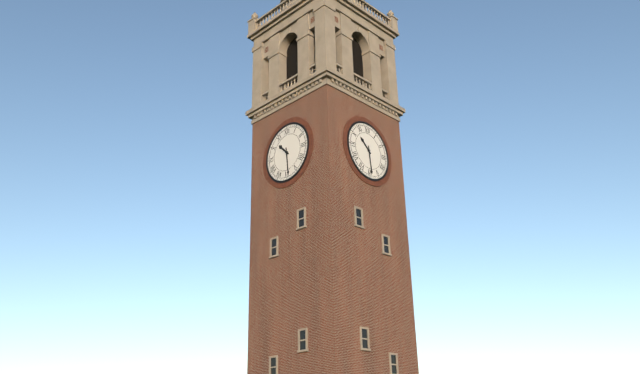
10:29
